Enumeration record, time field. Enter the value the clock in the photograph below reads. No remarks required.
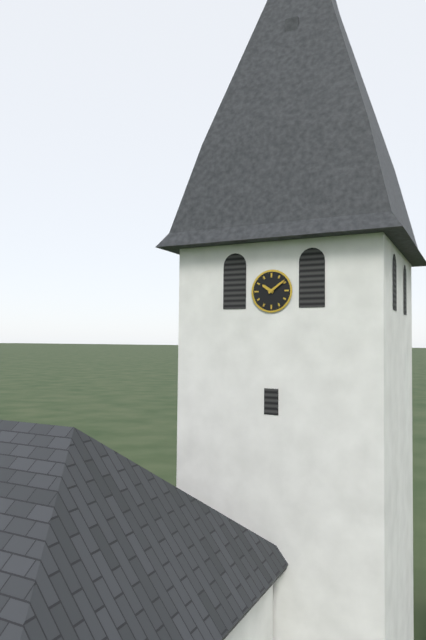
10:09
